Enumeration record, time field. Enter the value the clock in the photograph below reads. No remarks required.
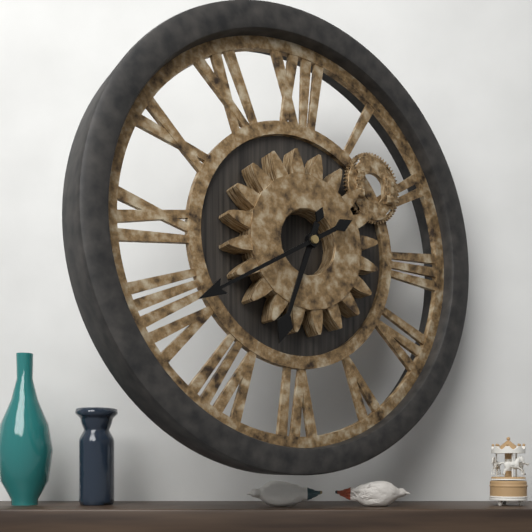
6:40
